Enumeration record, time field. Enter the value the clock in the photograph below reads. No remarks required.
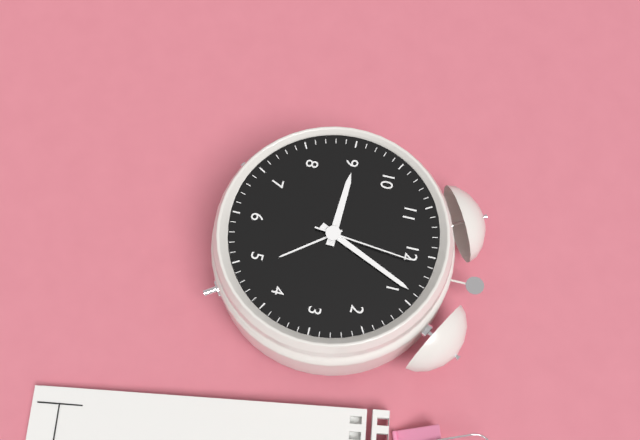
9:04:01
